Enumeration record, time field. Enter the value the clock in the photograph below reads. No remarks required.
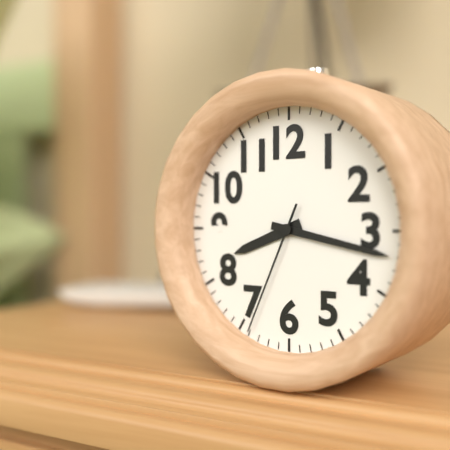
8:17:34
